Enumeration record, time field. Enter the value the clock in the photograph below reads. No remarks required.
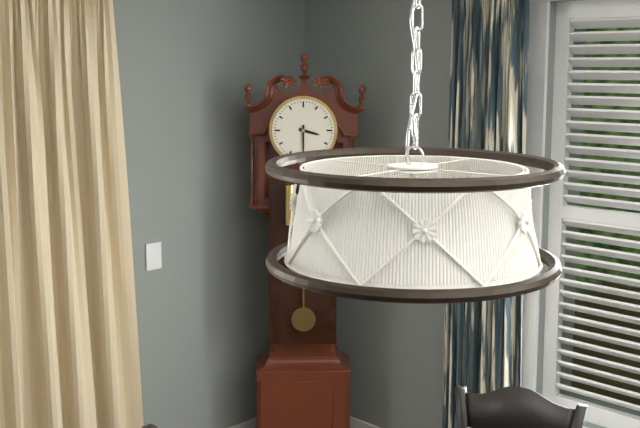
3:30
